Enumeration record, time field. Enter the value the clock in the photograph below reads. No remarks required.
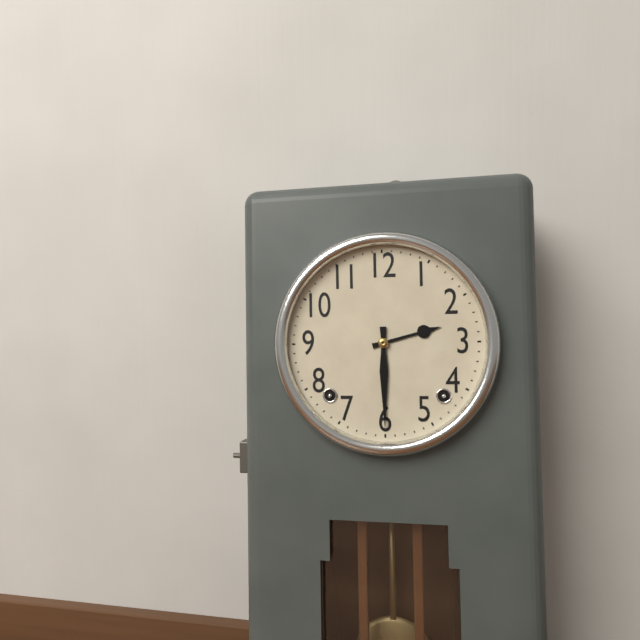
2:30
